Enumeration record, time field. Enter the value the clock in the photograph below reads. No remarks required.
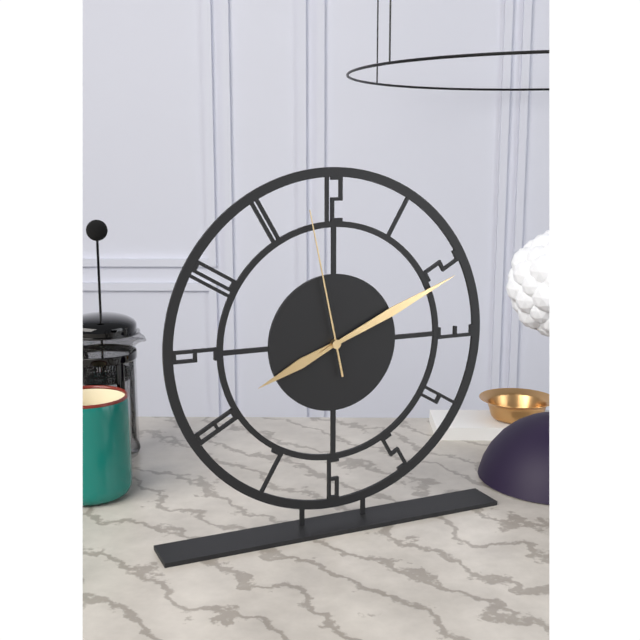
8:11:58
